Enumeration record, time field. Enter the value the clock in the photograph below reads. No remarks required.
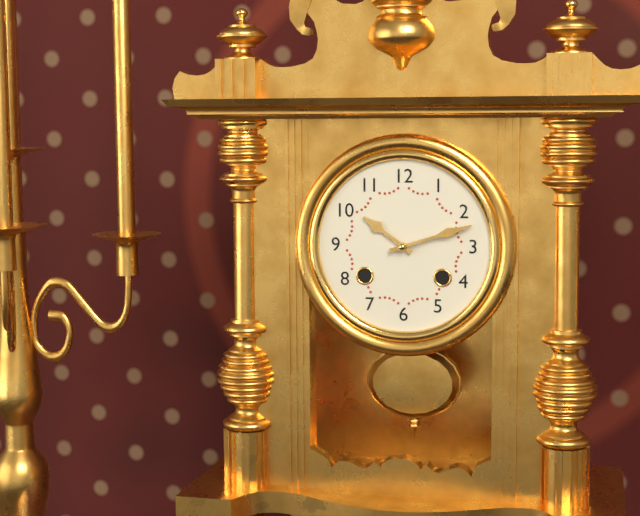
10:12
